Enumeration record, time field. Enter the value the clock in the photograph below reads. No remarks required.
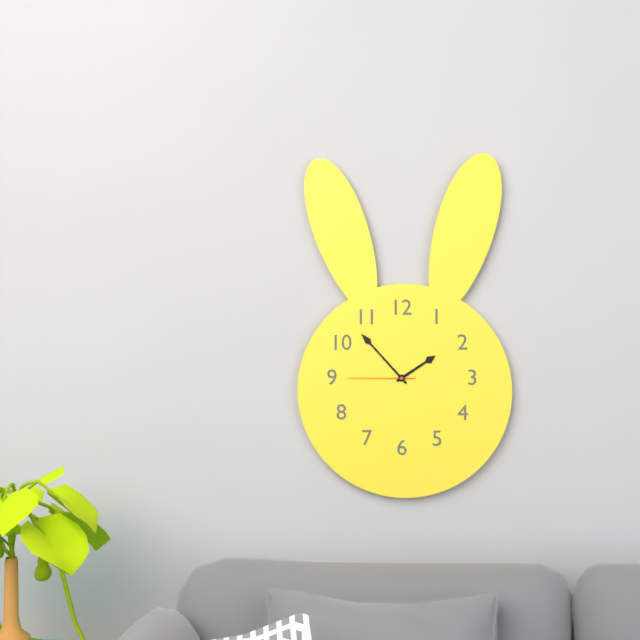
1:53:45
